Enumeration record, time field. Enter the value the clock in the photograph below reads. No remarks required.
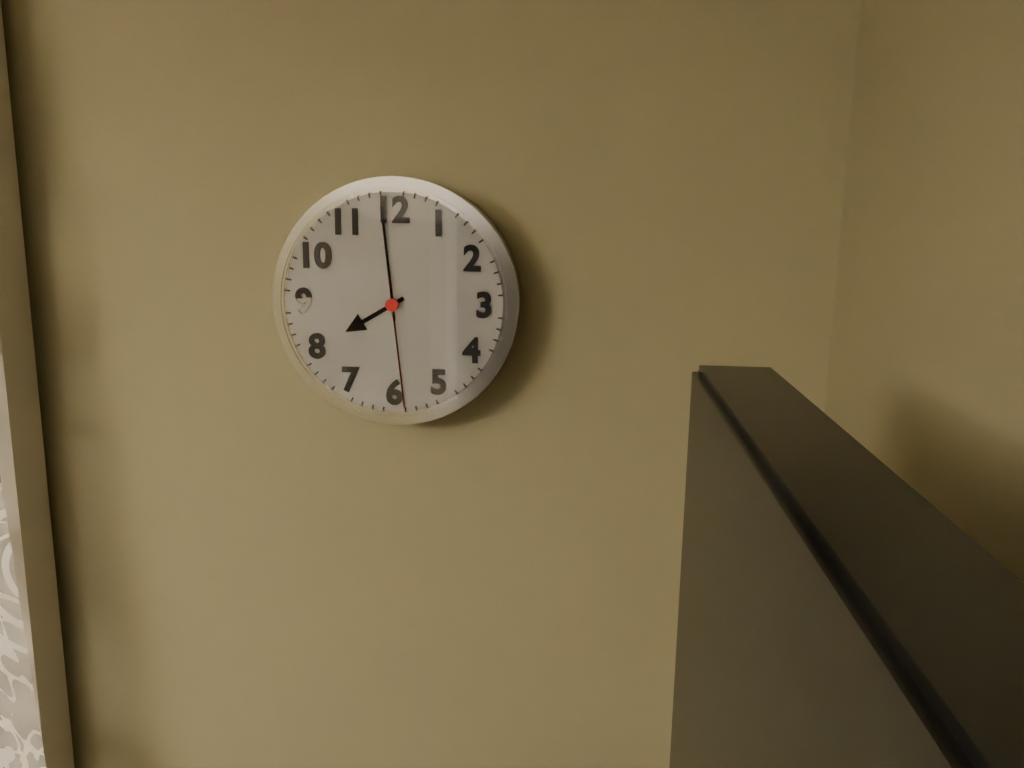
7:59:29
